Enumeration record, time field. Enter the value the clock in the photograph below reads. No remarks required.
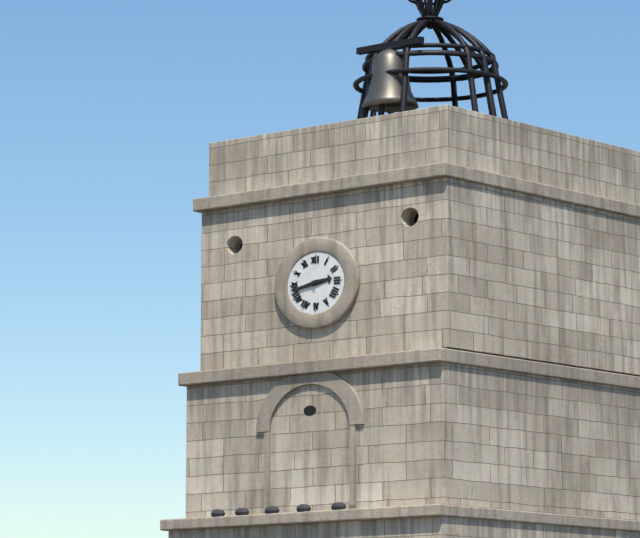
2:43
